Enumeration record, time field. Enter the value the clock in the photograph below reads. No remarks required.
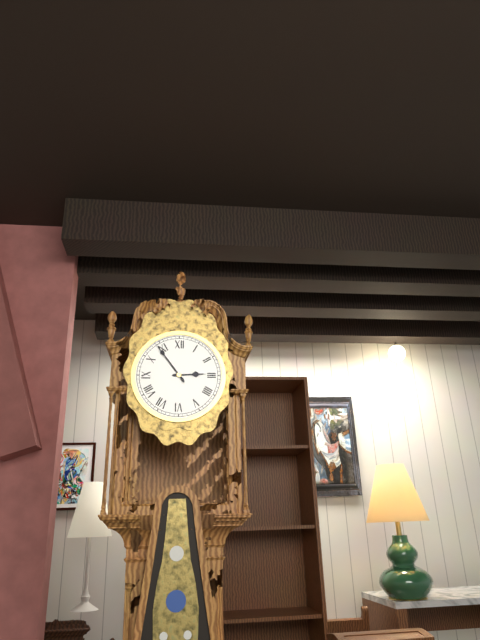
2:54
